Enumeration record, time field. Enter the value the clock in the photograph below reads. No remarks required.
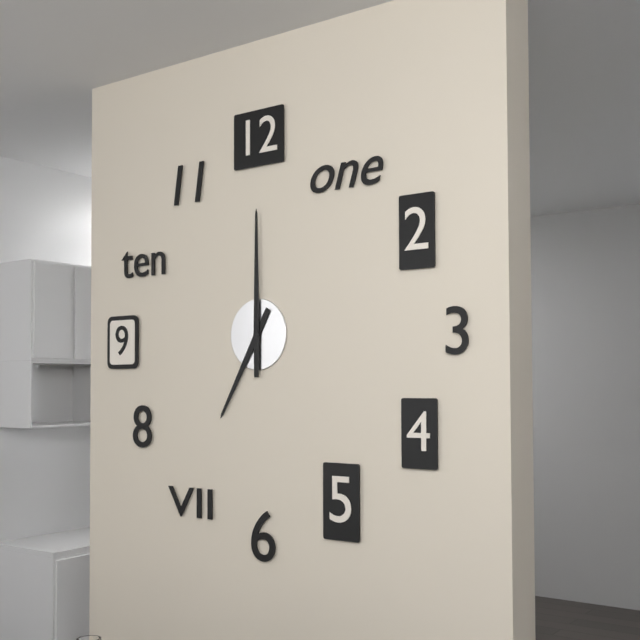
7:00
